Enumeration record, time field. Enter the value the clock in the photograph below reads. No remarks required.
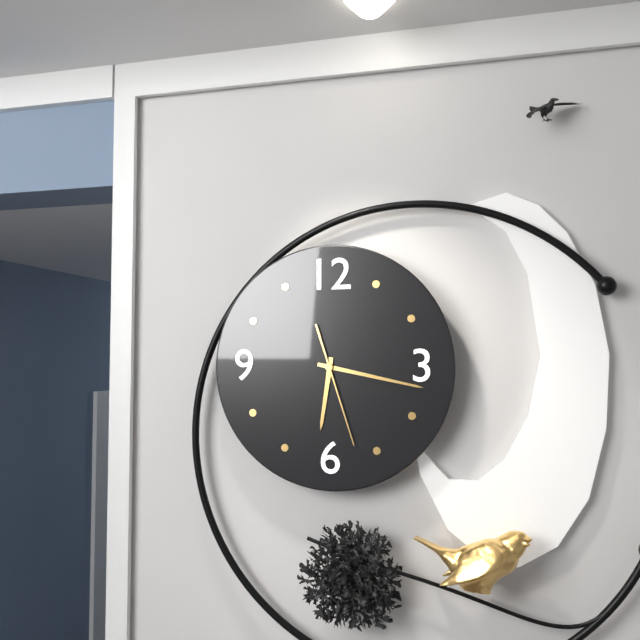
6:17:27
